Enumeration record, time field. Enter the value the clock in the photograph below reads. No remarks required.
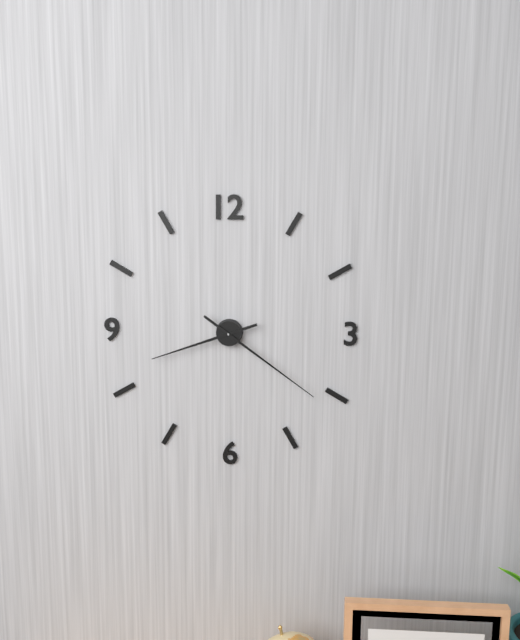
8:21
